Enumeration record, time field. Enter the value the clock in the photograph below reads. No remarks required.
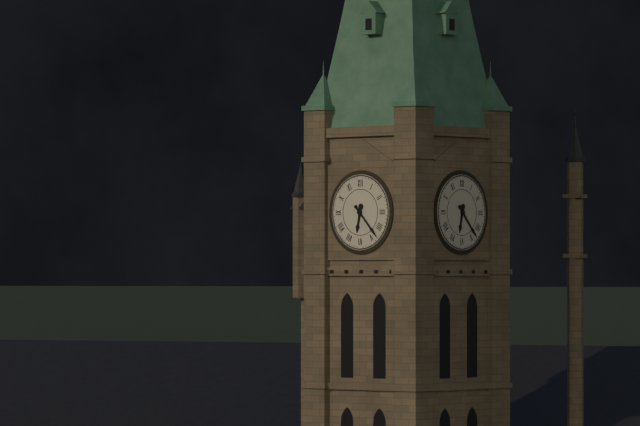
6:23
